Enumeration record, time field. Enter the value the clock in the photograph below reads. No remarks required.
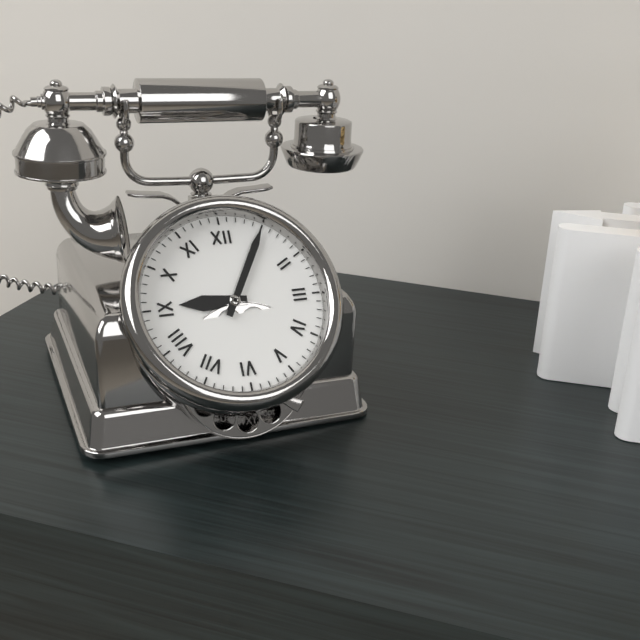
9:05
